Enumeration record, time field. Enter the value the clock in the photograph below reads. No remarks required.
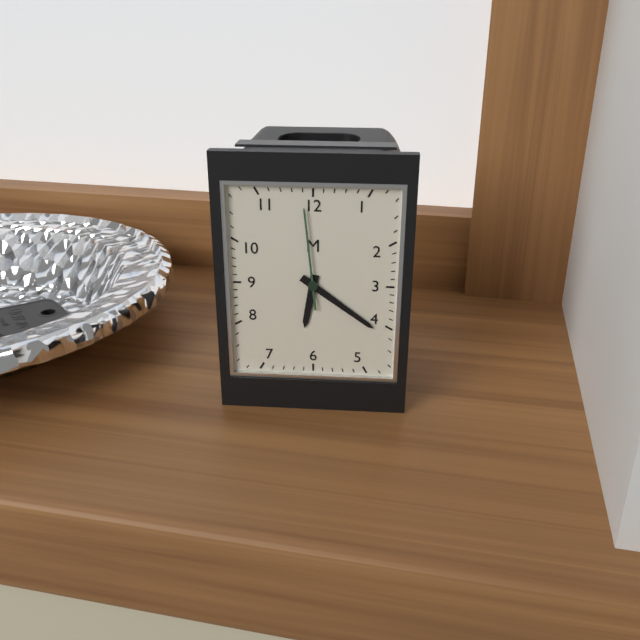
6:21:59
